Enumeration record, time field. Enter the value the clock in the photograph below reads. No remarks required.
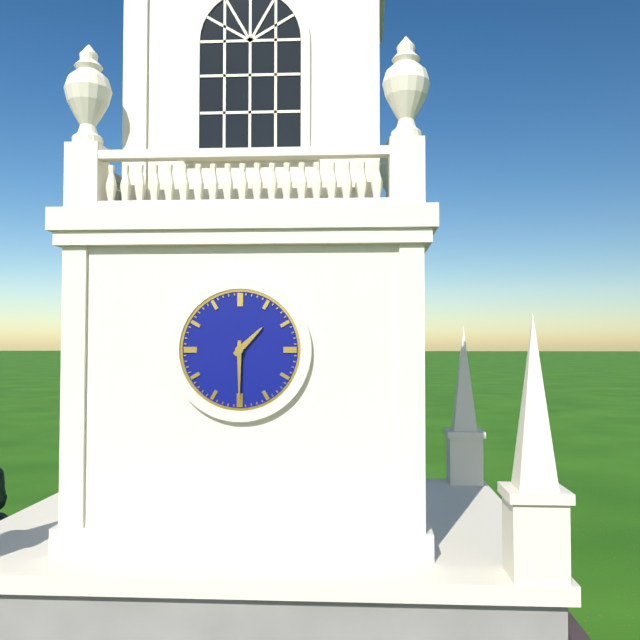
1:30
